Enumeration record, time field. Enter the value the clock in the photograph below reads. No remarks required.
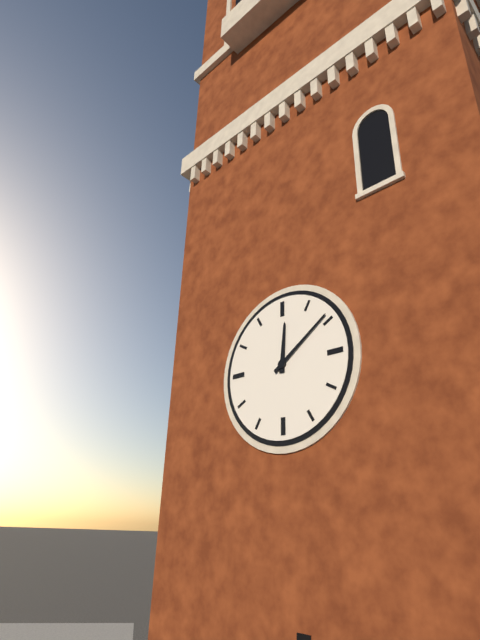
12:09
